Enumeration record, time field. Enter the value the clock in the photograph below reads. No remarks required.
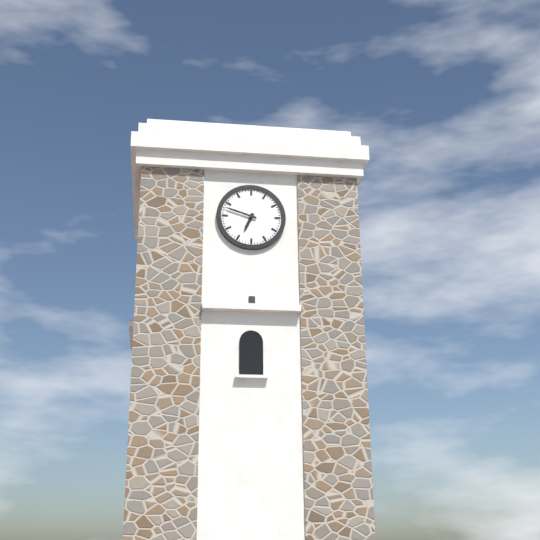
6:48
